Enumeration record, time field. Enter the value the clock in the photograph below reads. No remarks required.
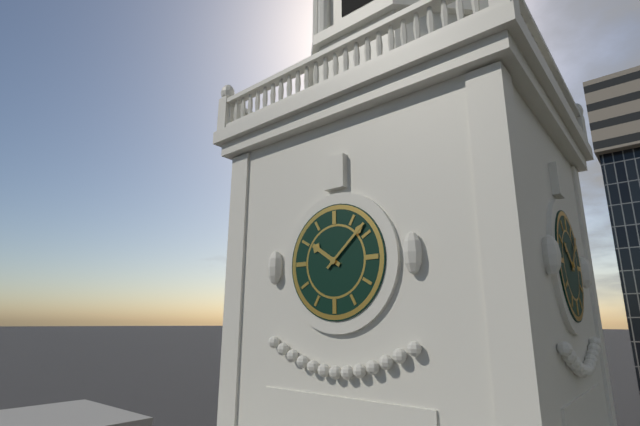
10:08
